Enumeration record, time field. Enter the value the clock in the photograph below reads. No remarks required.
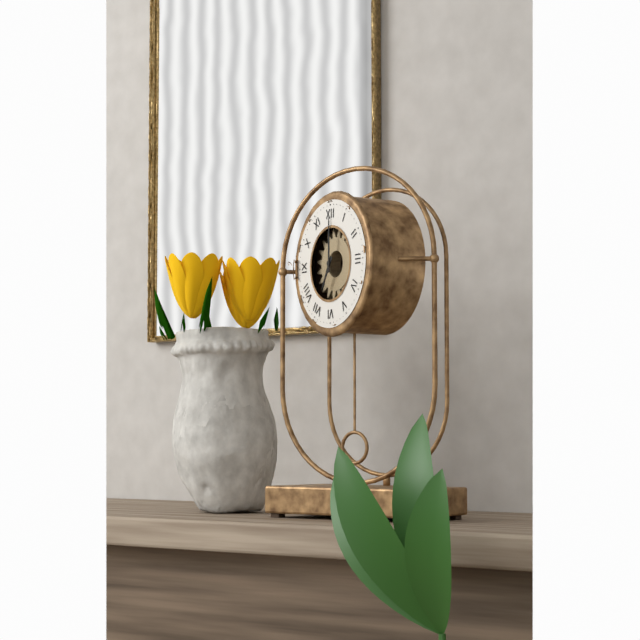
7:00
